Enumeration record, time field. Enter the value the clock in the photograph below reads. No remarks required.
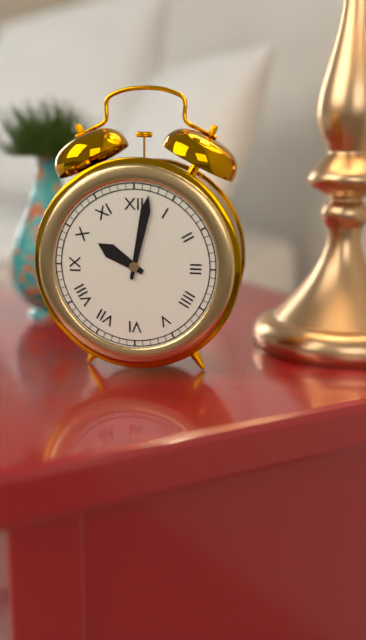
10:02
